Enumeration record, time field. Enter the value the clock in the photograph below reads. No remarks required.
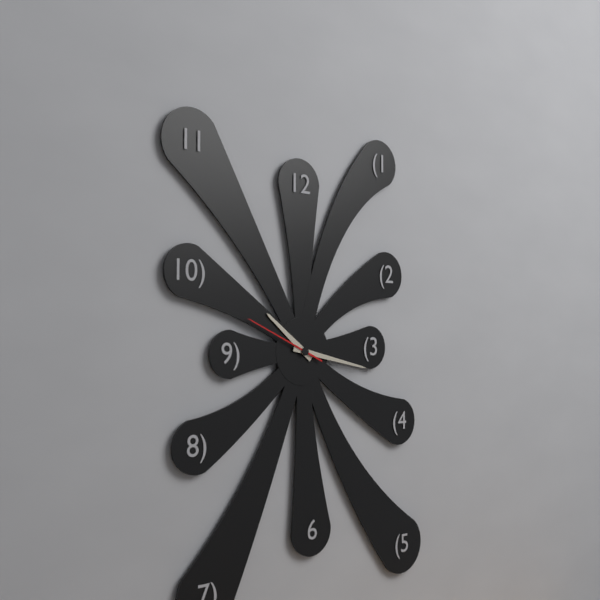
10:17:49
